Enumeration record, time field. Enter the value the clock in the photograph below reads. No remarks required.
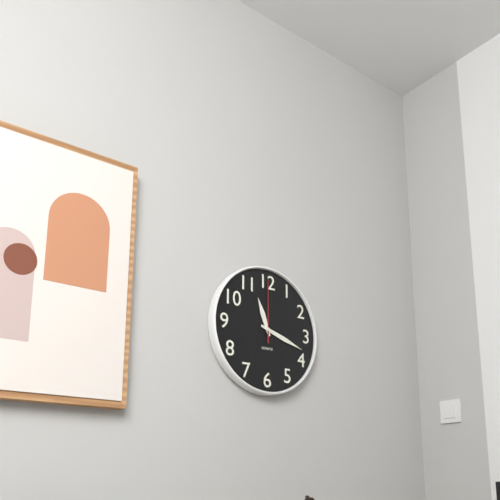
11:18:00
